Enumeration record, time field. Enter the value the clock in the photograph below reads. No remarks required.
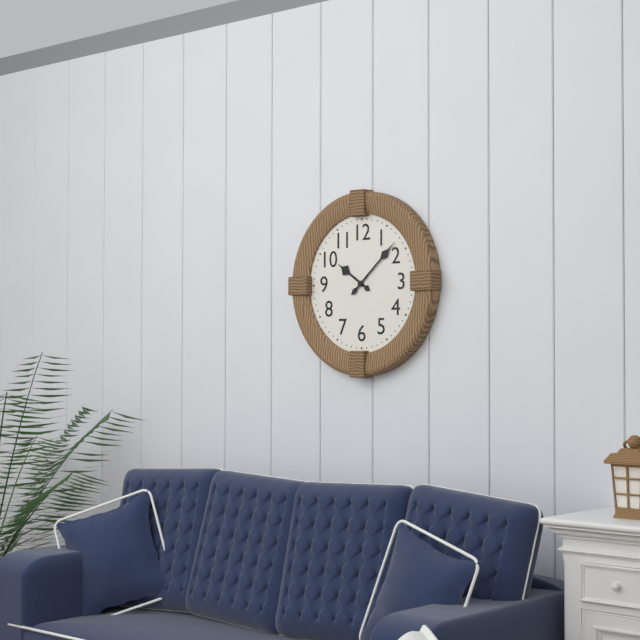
10:08
